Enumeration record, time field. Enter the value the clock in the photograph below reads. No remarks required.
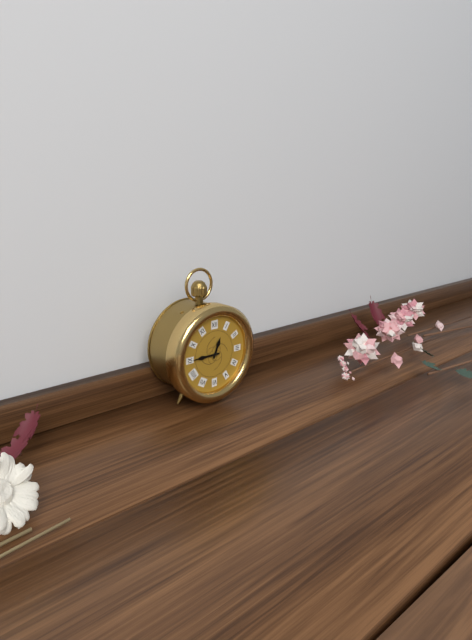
12:45
